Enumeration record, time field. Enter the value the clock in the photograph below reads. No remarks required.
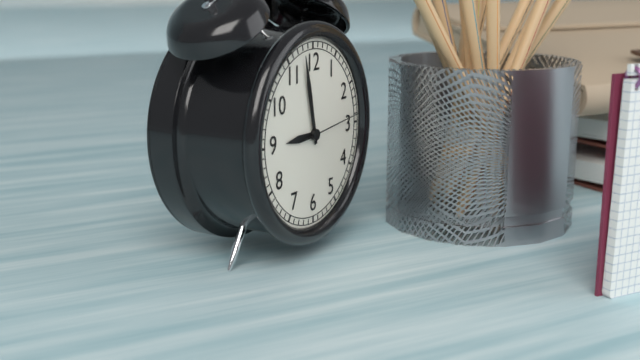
8:58:14
